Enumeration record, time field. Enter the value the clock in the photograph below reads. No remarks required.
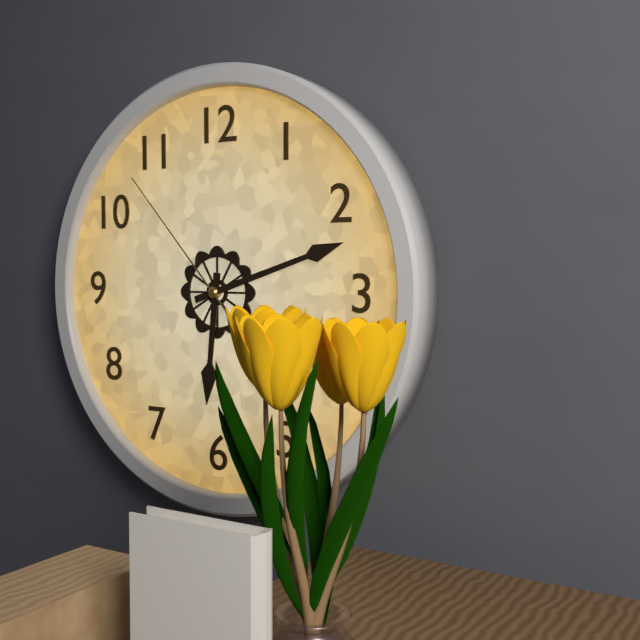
6:12:53
